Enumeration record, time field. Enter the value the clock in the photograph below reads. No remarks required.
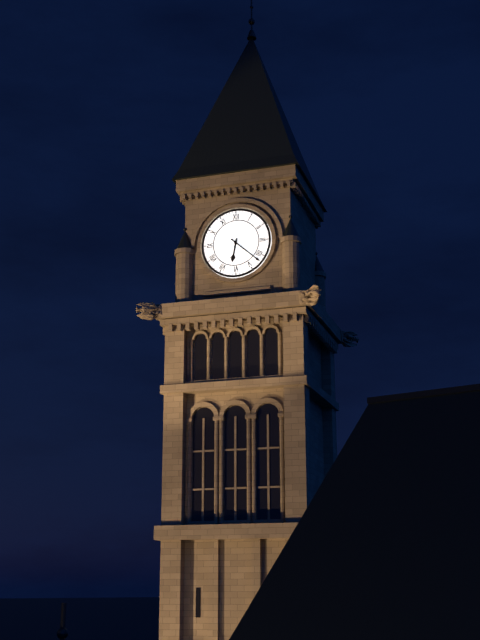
6:22
